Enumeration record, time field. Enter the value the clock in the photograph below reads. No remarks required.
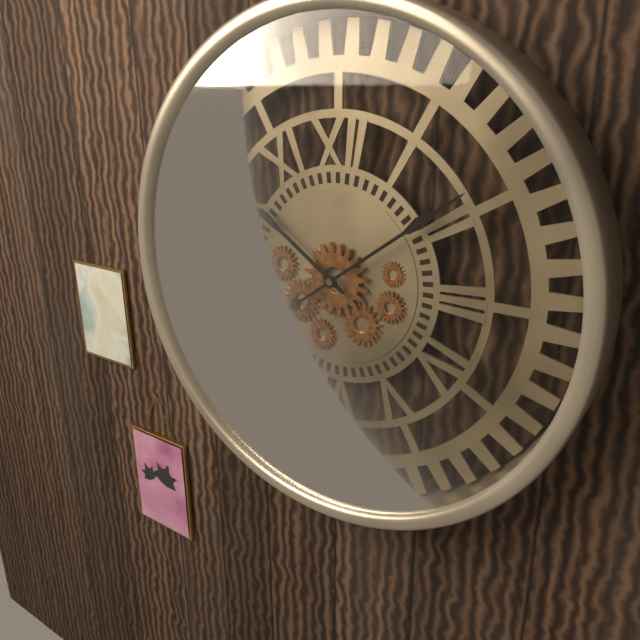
10:09
